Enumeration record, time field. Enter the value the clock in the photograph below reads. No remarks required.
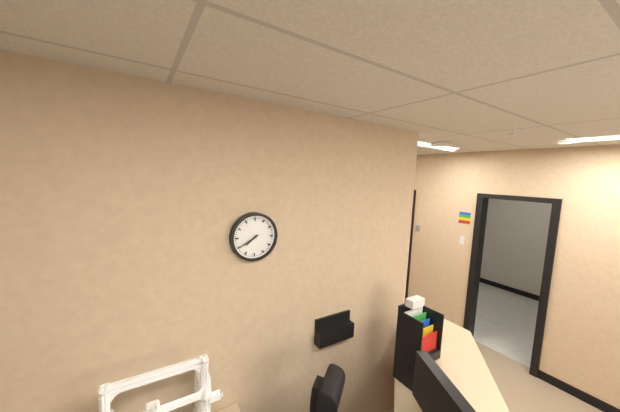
7:40
